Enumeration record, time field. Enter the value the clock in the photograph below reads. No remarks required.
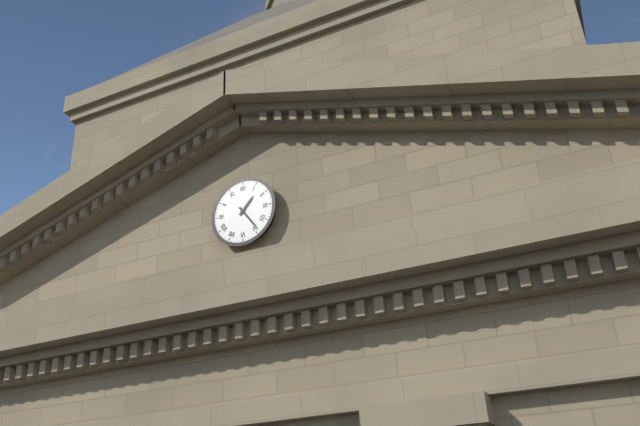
1:24
